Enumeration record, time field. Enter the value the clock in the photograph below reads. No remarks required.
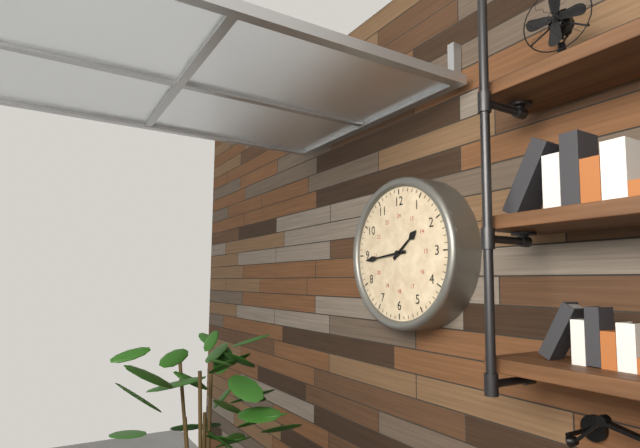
1:44
